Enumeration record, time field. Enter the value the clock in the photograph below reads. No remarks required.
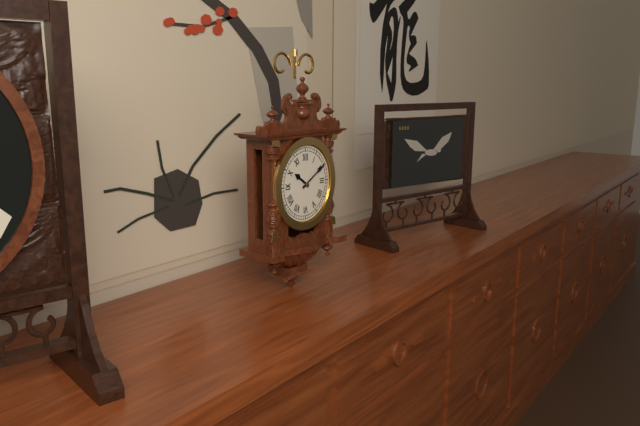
10:10
